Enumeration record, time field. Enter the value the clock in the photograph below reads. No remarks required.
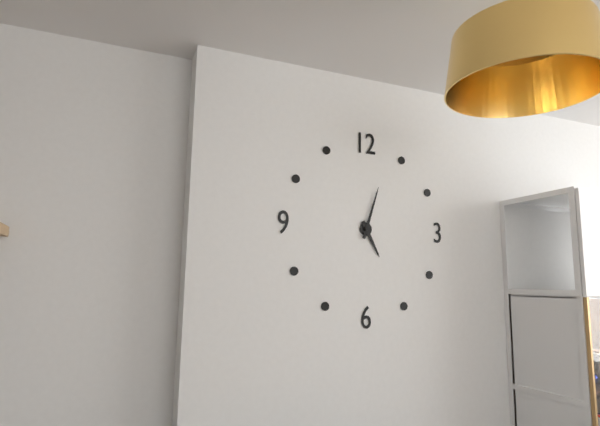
5:03
